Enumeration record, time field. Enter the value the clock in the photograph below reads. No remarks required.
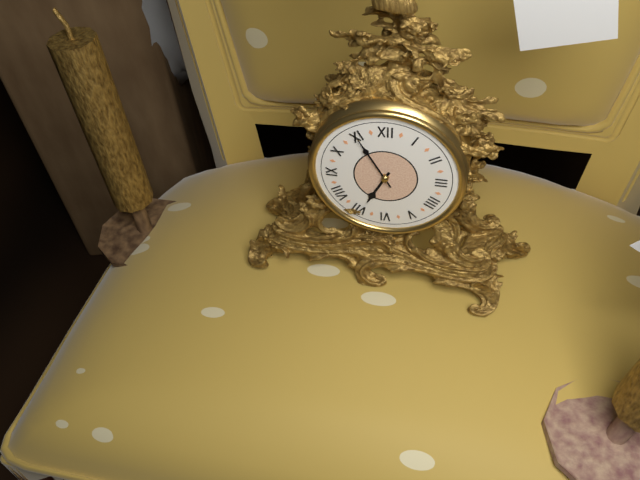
6:55
